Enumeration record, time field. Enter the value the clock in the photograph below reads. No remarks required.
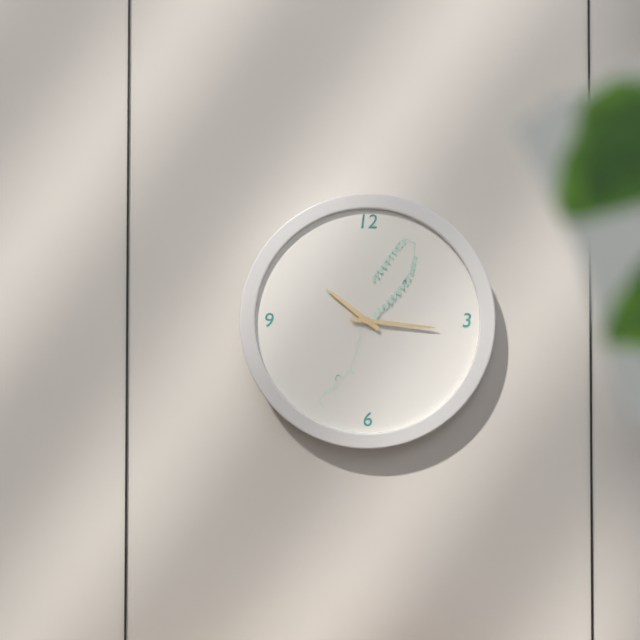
10:16
